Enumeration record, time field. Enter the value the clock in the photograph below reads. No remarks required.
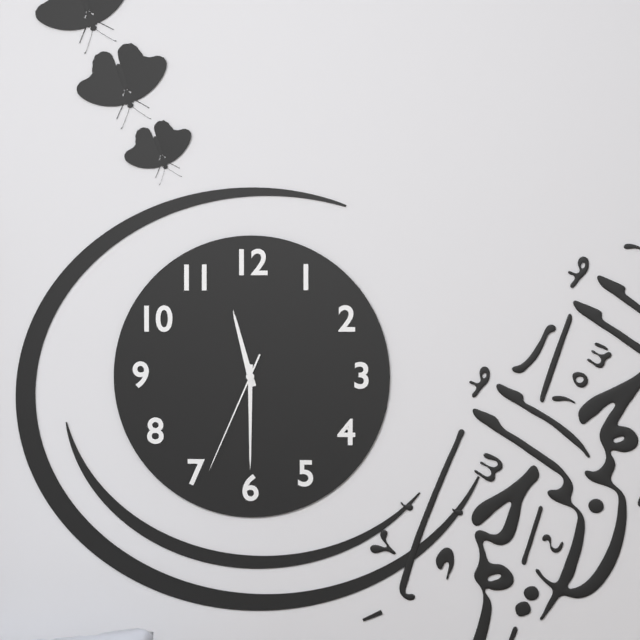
11:30:34
